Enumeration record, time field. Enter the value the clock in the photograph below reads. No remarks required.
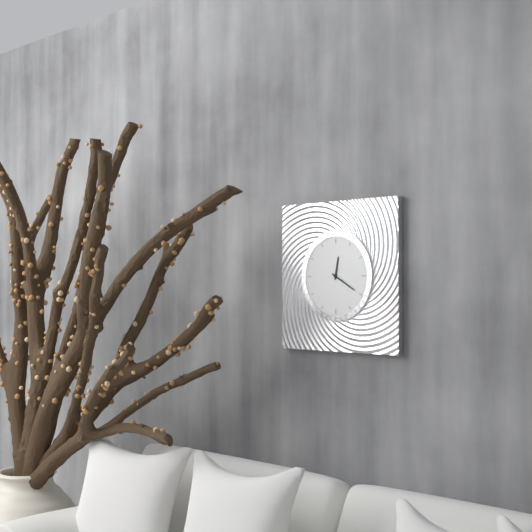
12:20
